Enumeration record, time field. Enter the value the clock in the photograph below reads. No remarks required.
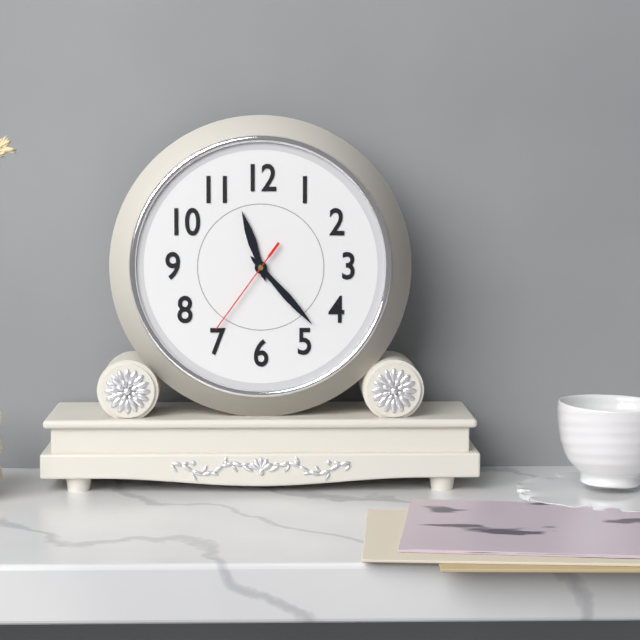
11:23:36
